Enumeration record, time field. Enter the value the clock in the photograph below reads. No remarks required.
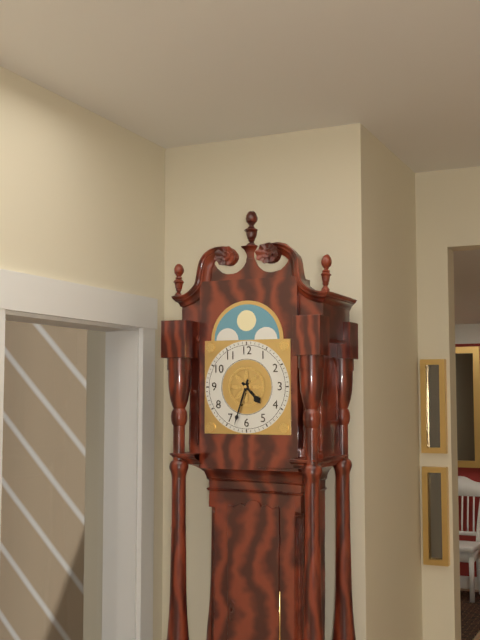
4:33
